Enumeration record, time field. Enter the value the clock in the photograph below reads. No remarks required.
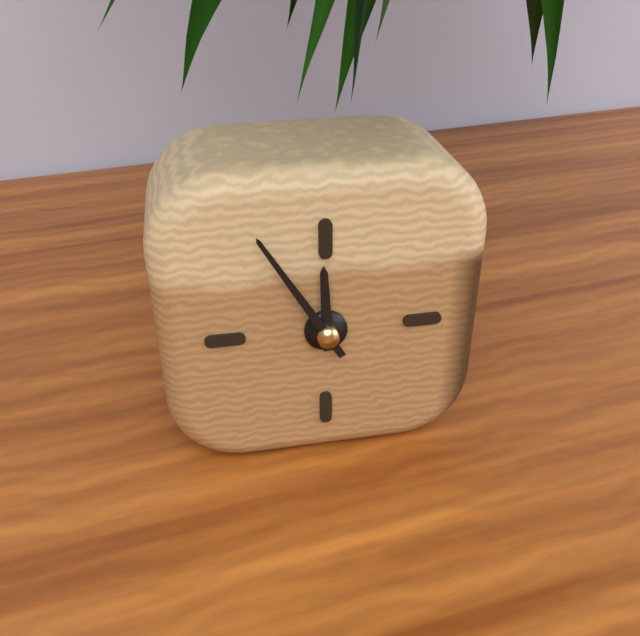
11:55
